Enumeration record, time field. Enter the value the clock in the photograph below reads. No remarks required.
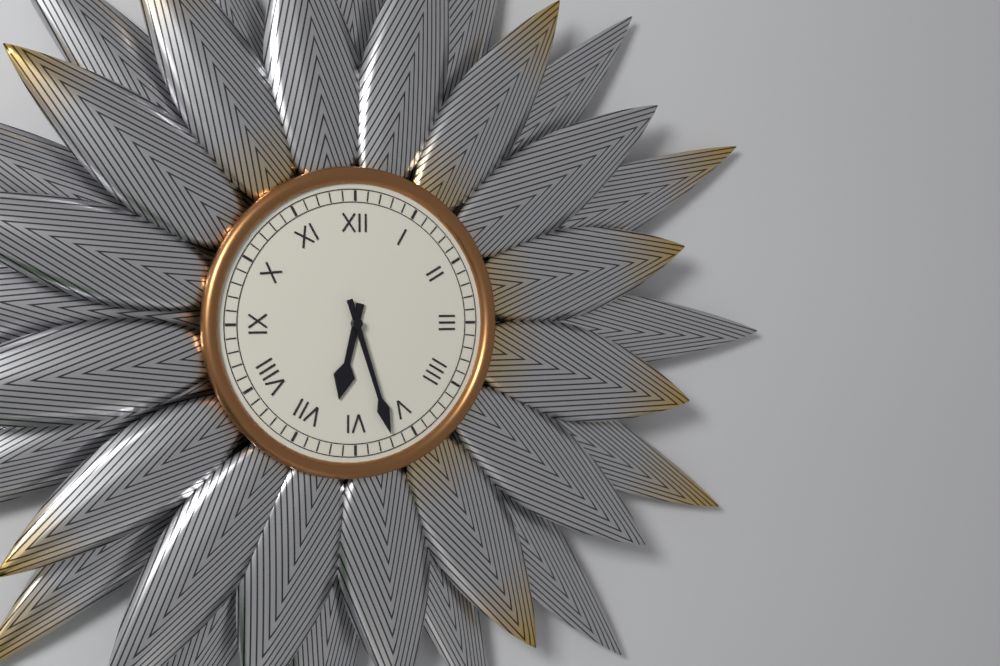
6:27
